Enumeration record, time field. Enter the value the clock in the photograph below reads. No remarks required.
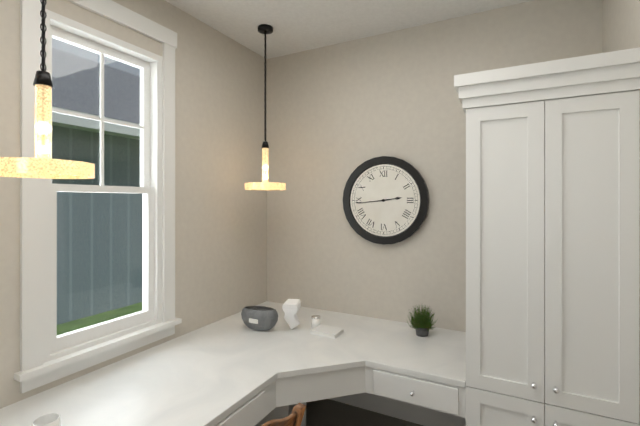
2:44
